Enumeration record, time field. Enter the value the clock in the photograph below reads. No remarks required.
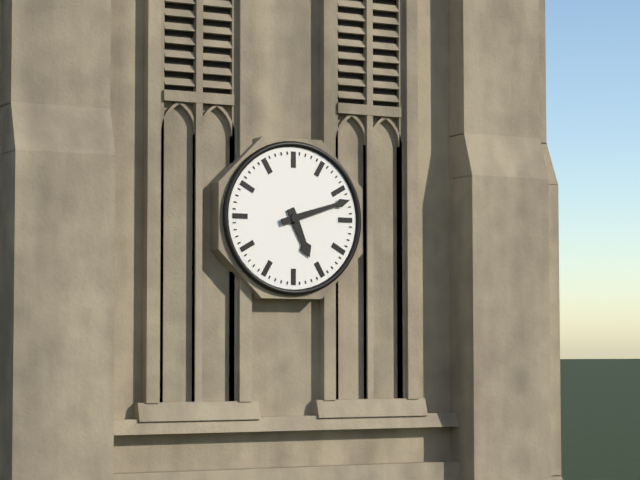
5:12
